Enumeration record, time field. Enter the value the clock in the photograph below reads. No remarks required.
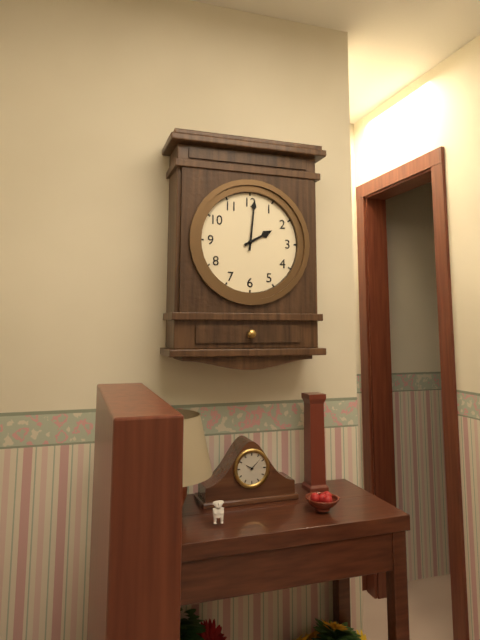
2:01
